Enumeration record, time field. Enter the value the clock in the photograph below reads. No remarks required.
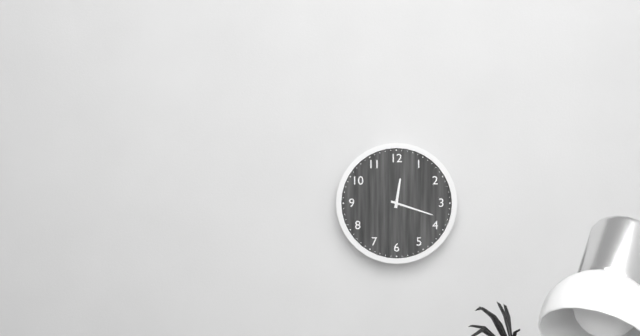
12:18
